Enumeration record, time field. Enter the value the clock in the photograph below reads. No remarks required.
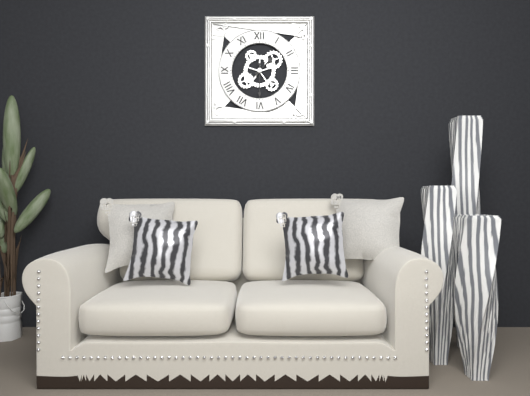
1:30
